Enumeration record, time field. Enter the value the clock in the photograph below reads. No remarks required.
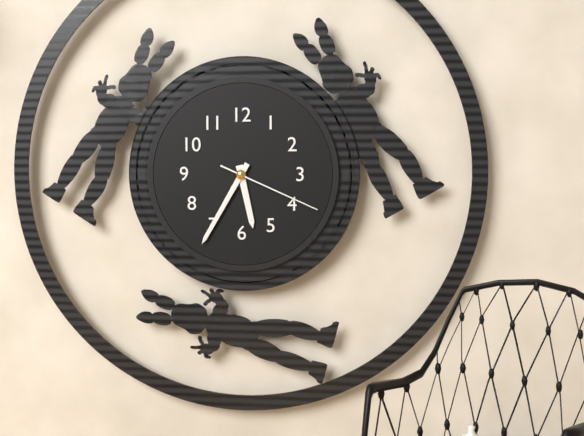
5:35:19
